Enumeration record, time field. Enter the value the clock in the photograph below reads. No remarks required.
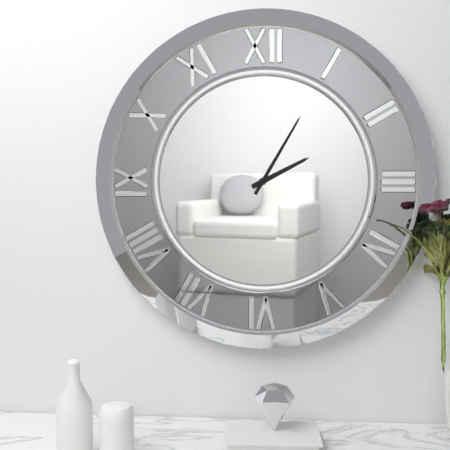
2:05
